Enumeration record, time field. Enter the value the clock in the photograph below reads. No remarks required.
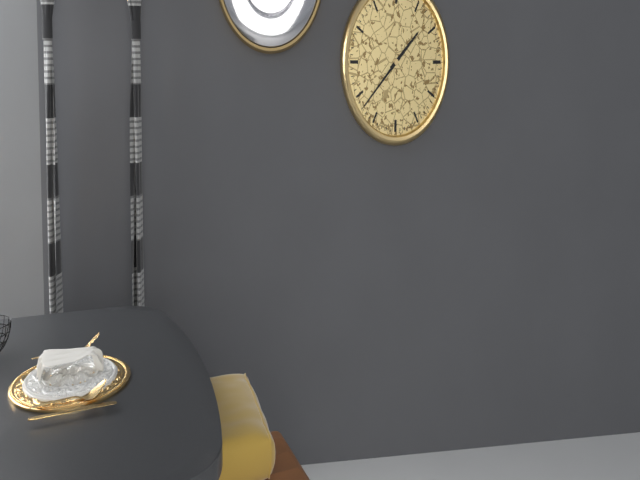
1:38
